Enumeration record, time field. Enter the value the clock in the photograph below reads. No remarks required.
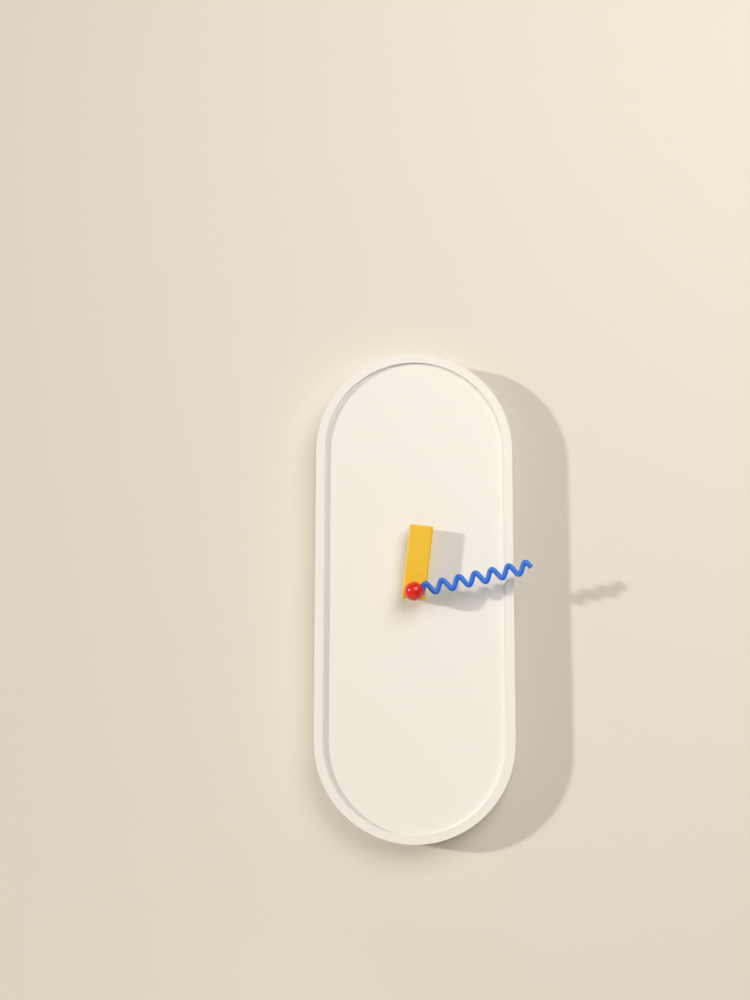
12:13
